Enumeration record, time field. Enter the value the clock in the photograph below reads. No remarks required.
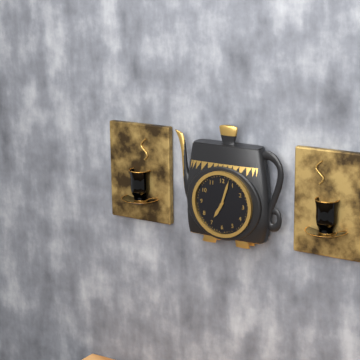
7:03
